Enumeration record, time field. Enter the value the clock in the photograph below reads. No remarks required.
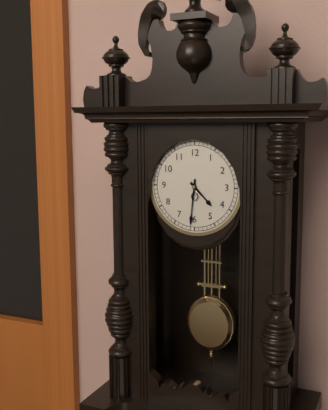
4:31
